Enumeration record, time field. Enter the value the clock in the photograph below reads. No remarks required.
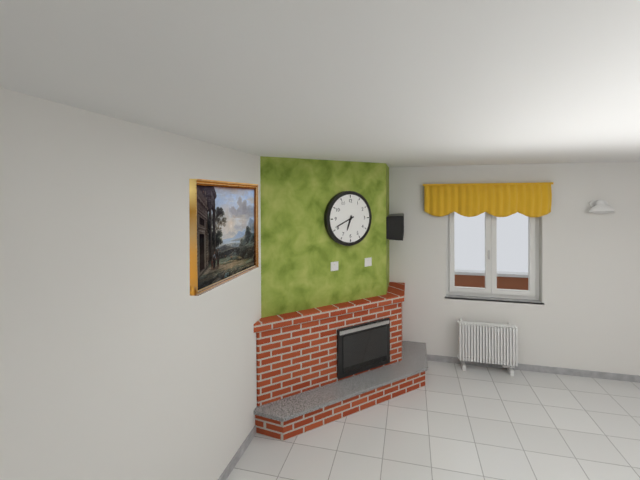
6:41
